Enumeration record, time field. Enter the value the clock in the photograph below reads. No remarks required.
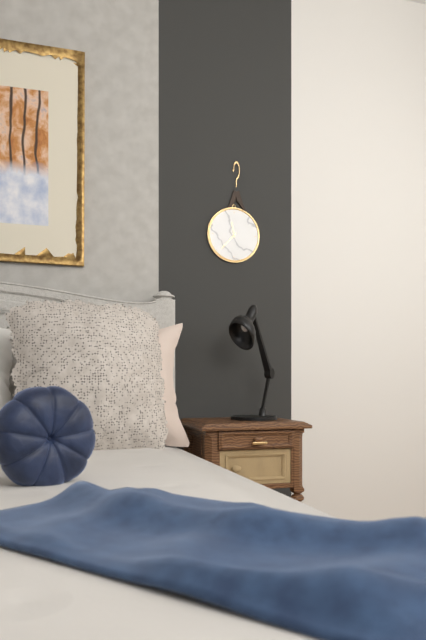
11:37
